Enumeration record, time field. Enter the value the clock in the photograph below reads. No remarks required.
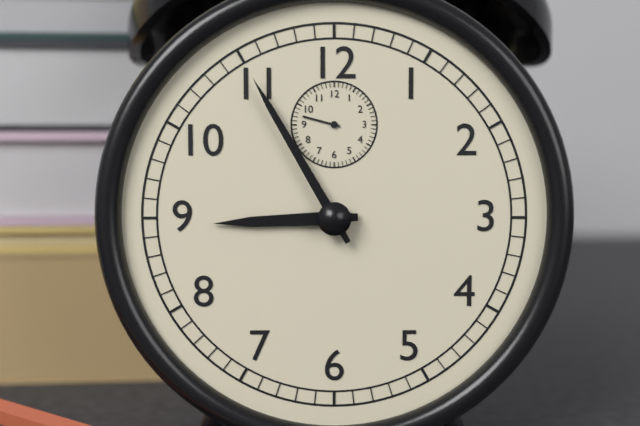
8:55
